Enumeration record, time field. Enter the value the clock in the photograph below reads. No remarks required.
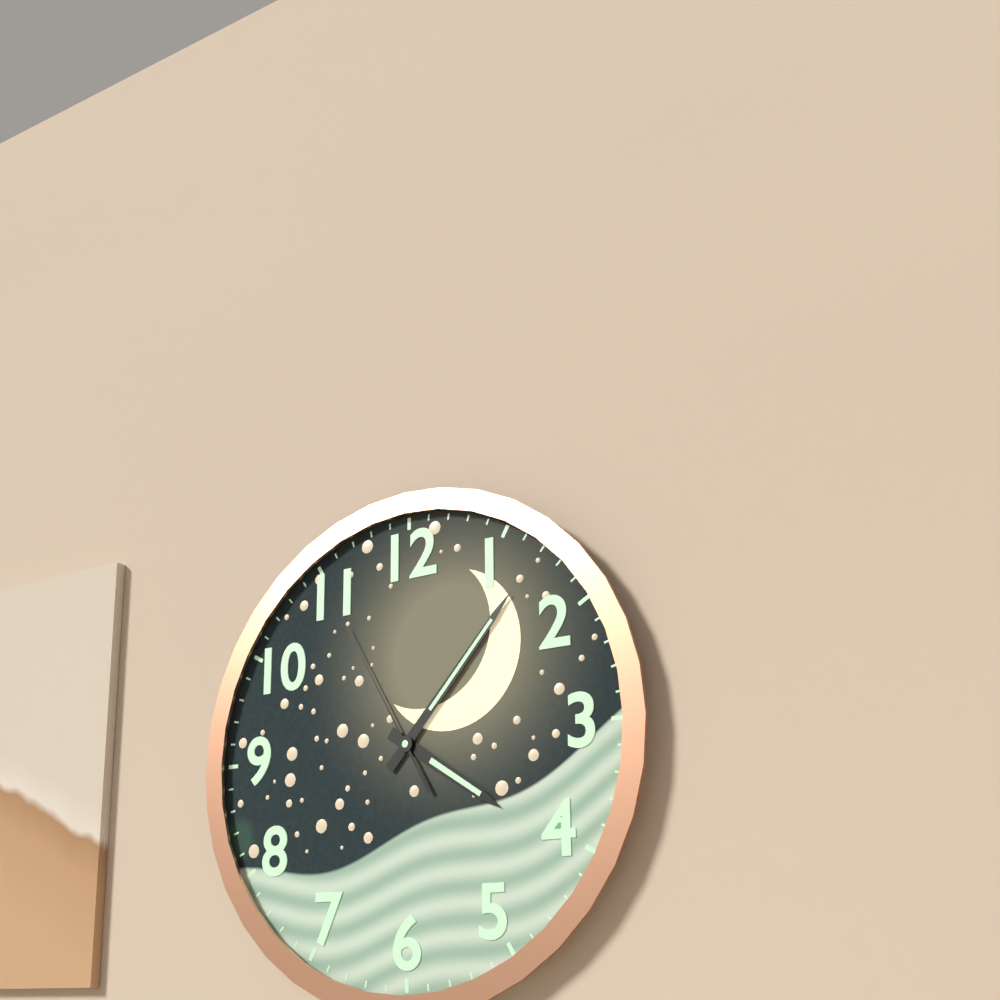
4:07:55
